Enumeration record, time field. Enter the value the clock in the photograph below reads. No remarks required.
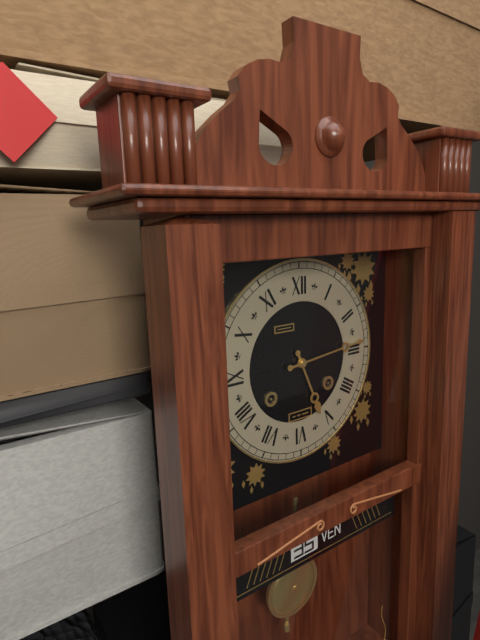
5:14
